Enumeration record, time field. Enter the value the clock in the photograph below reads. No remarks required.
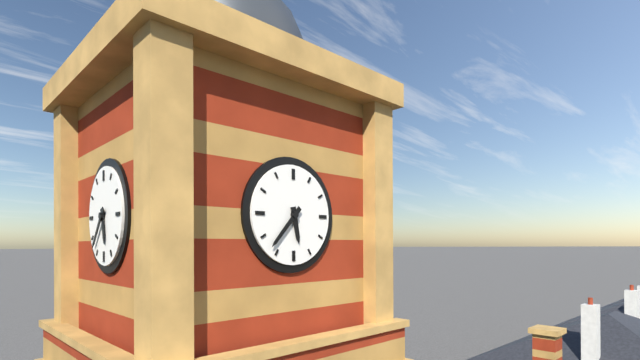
5:37
